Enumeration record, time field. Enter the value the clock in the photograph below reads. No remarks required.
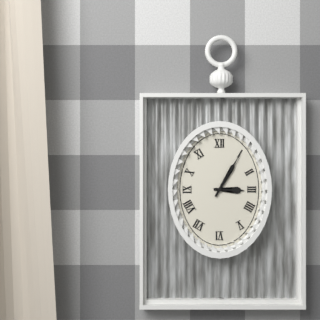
3:05
